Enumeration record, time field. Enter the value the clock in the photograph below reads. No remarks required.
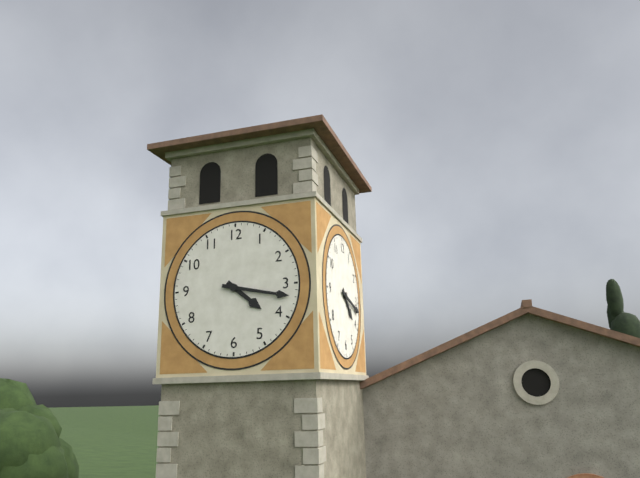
4:17
